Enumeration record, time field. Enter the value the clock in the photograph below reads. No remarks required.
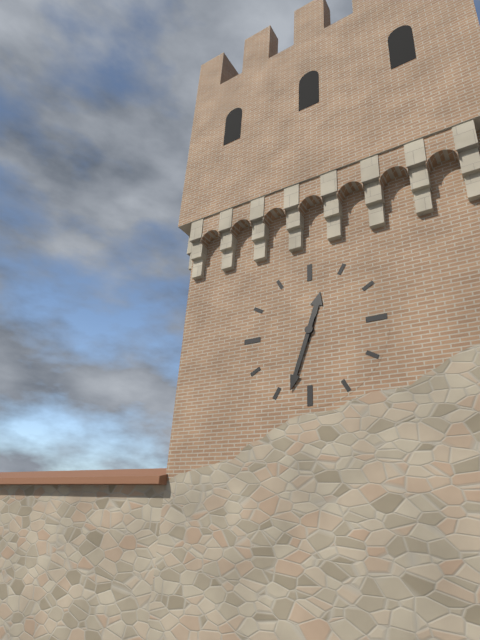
12:33
